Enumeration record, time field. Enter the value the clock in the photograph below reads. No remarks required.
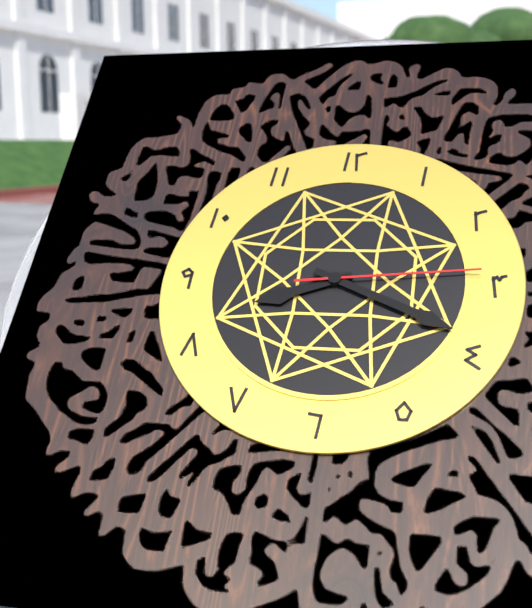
8:19:14
